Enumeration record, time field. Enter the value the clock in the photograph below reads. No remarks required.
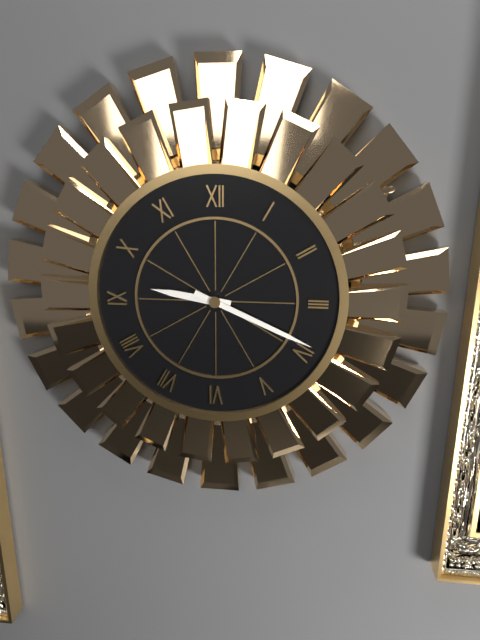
9:19
